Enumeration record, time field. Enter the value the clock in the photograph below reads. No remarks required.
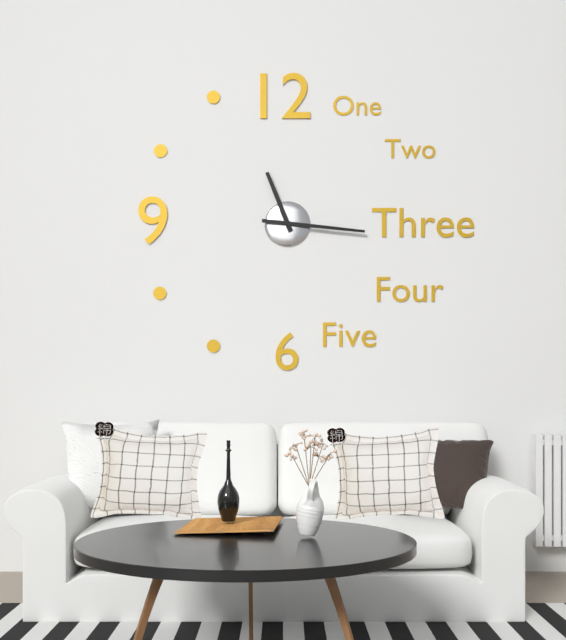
11:16
